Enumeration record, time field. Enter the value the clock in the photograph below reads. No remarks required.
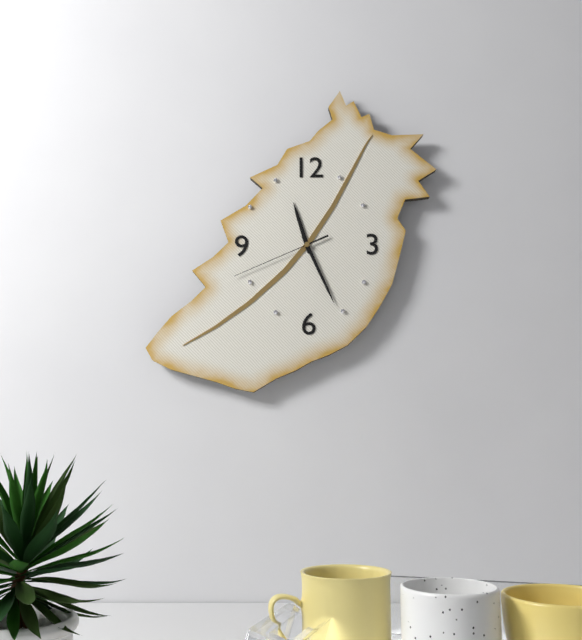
11:26:41
